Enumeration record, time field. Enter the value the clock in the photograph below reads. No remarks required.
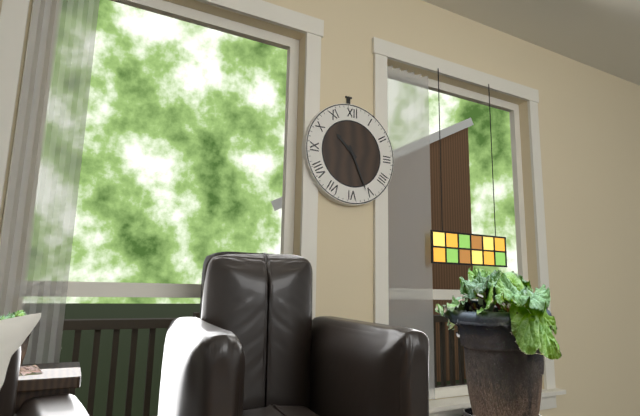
10:26
